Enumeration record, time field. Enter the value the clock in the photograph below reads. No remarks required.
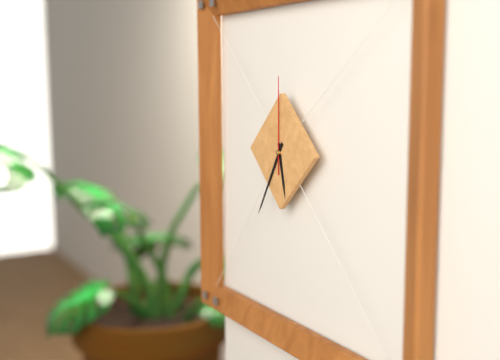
5:35:00
